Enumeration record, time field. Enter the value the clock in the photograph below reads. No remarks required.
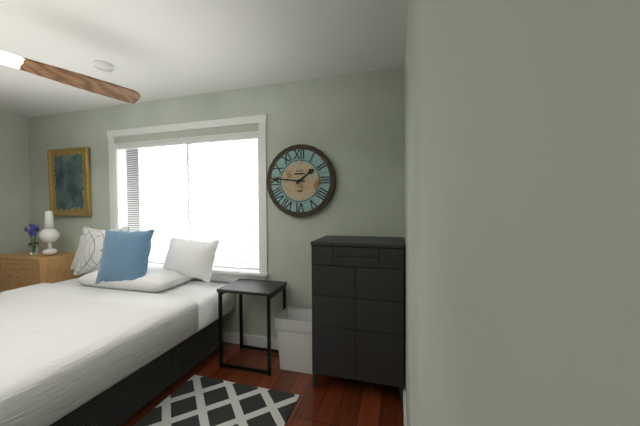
1:46
